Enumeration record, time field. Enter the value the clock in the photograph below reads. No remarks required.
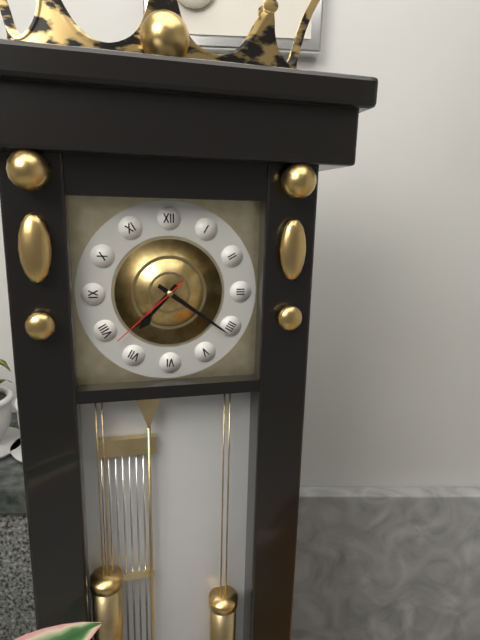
7:21:38
